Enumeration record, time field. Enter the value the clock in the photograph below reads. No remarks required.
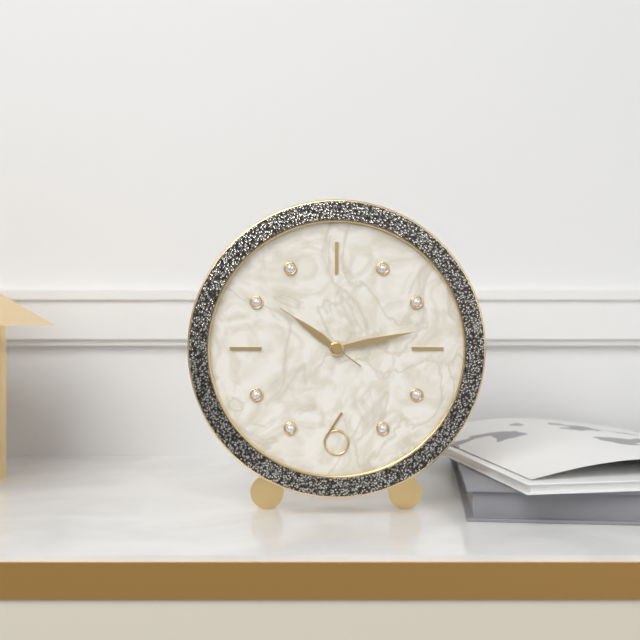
10:13:51
